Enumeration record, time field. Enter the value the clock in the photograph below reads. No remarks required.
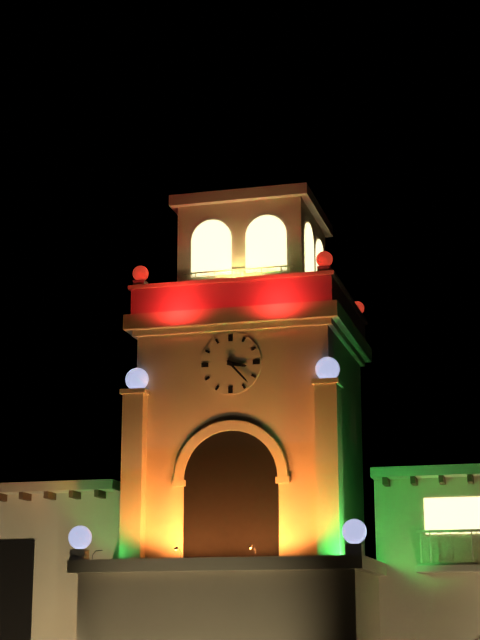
3:23
